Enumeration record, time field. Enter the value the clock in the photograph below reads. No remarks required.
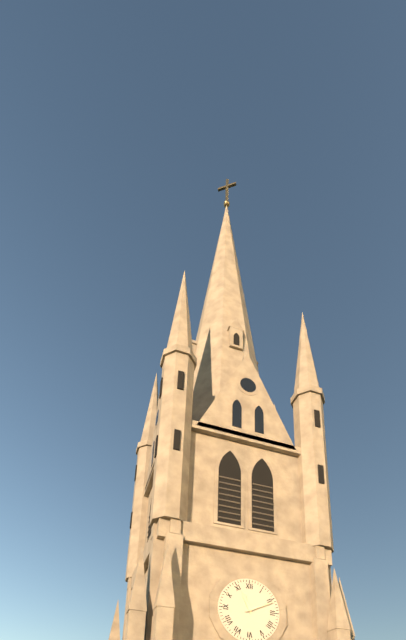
11:11
